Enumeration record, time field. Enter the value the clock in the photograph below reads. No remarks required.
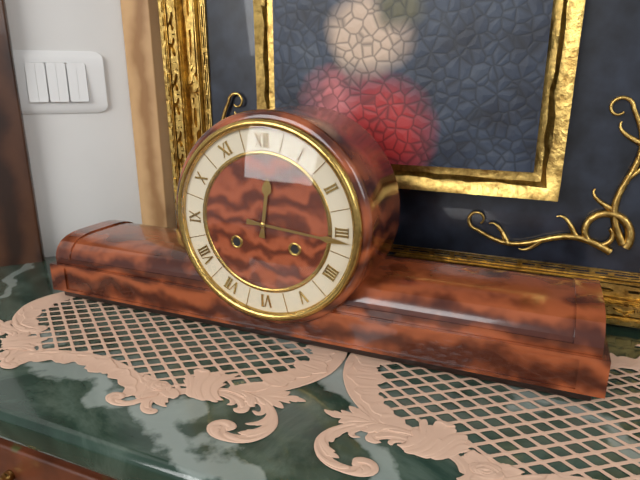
12:16
